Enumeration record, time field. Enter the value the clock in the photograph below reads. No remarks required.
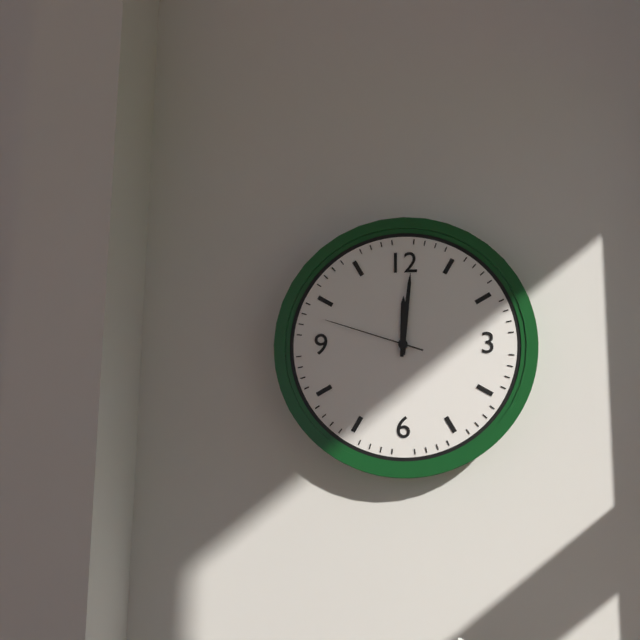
12:01:48
